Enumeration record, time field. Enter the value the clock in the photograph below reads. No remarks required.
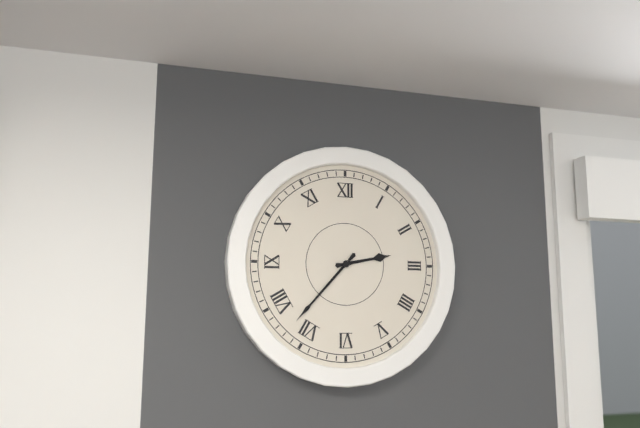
2:37
